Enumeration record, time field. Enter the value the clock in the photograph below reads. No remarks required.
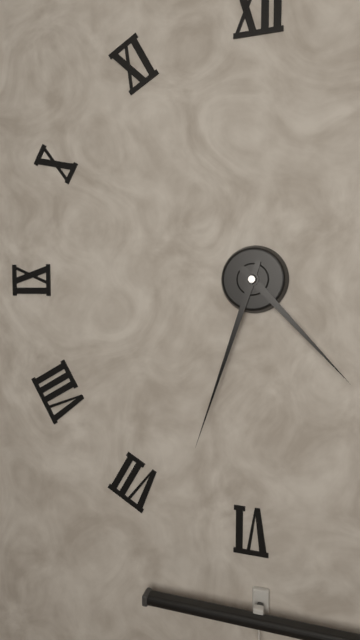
4:33
